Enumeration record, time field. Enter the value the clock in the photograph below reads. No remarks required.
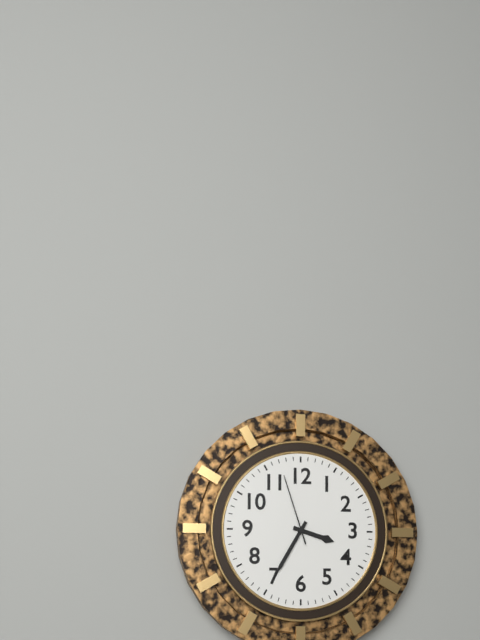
3:35:57
